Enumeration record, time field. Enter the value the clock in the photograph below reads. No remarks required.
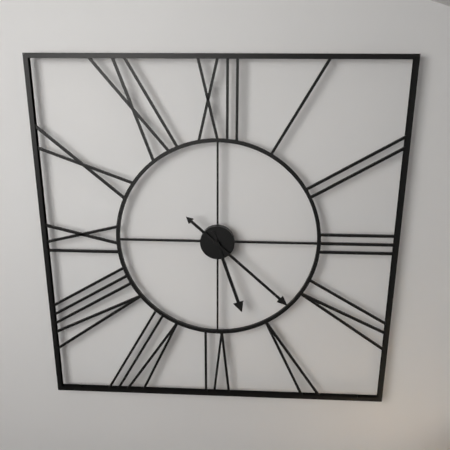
5:22
